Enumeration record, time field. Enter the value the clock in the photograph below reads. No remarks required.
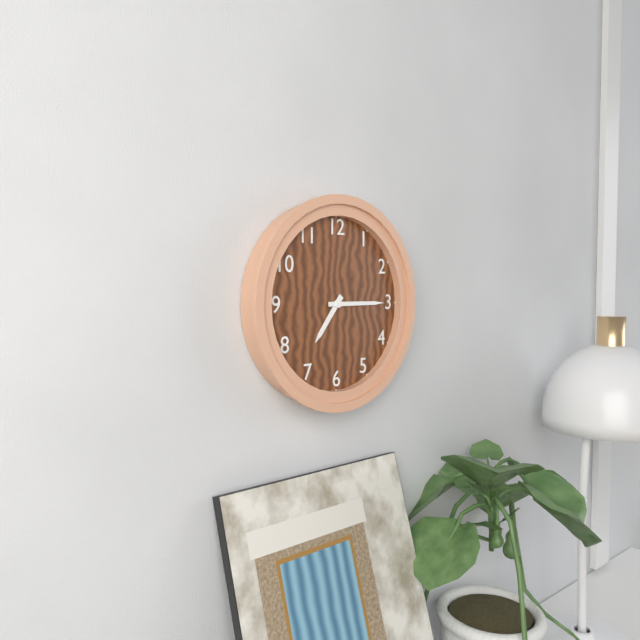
7:15
